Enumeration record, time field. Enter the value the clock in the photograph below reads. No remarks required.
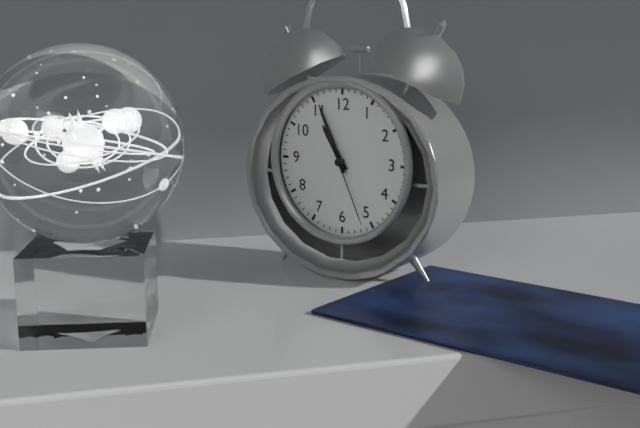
10:56:26
